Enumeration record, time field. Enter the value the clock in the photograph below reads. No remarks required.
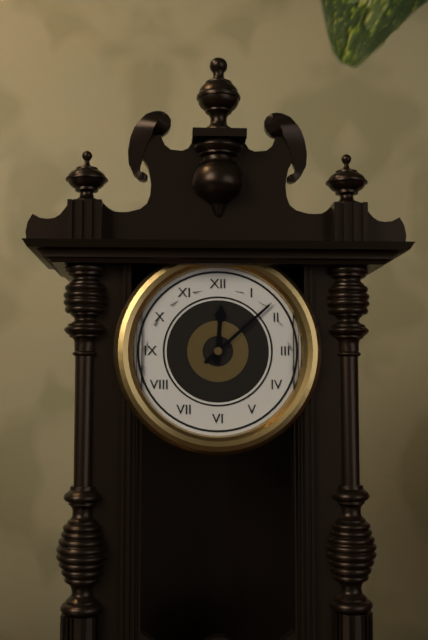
12:08
